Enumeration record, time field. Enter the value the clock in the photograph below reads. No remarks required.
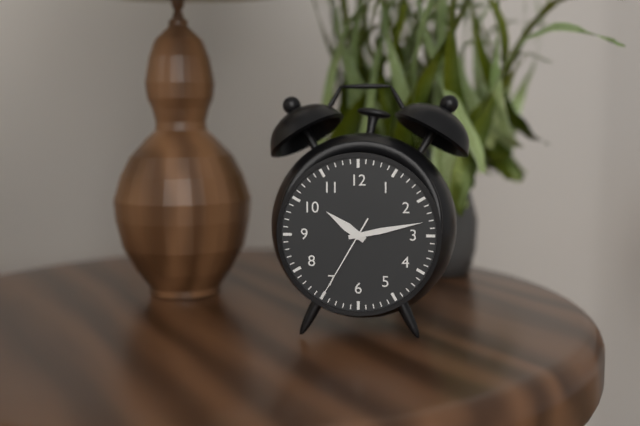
10:13:35
